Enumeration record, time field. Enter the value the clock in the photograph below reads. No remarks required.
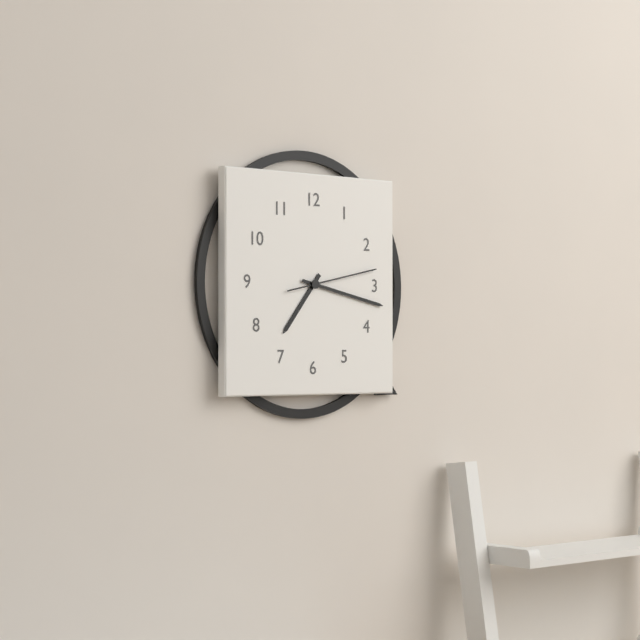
7:17:13
